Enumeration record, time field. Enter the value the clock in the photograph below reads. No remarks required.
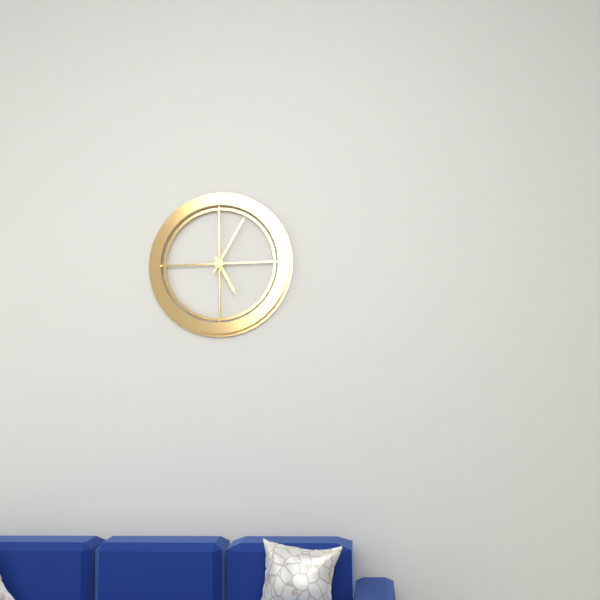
5:05
